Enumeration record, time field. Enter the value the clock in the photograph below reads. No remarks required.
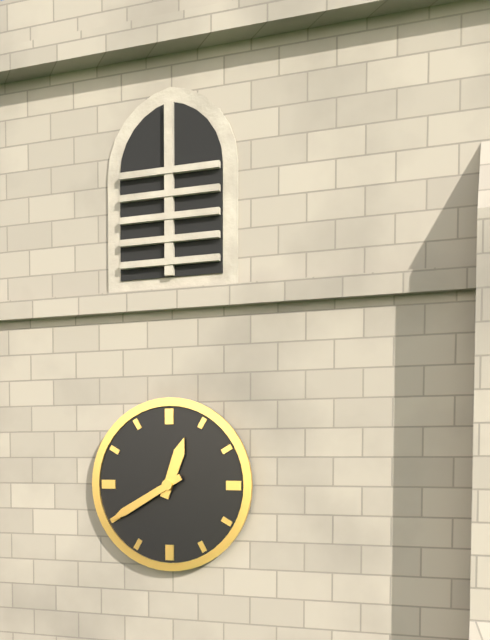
12:40
